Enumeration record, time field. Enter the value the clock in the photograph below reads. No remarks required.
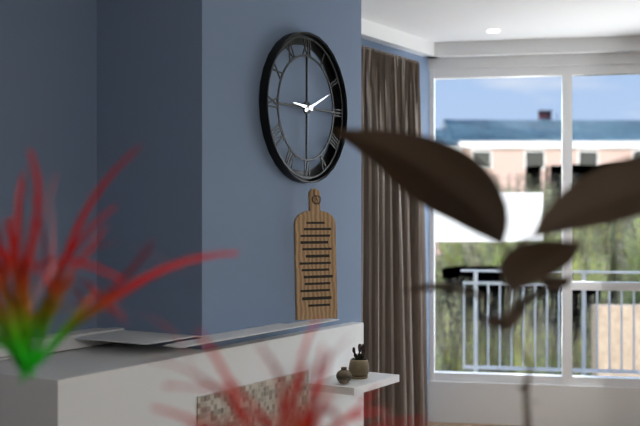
9:11
